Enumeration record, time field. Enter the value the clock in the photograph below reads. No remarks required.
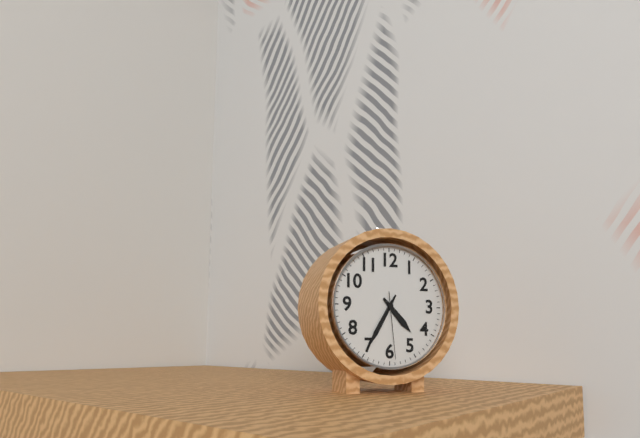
4:35:29
